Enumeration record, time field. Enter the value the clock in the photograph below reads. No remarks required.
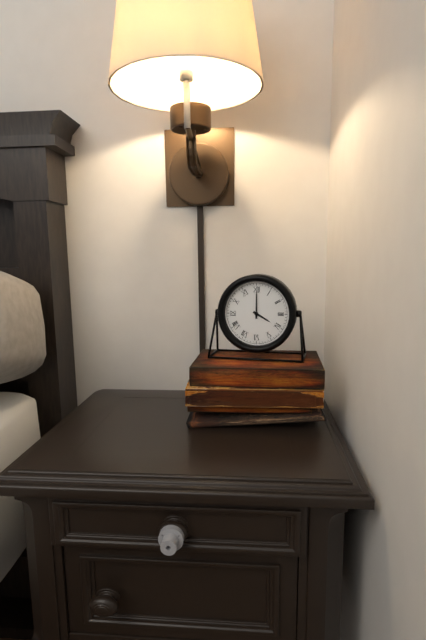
4:00
